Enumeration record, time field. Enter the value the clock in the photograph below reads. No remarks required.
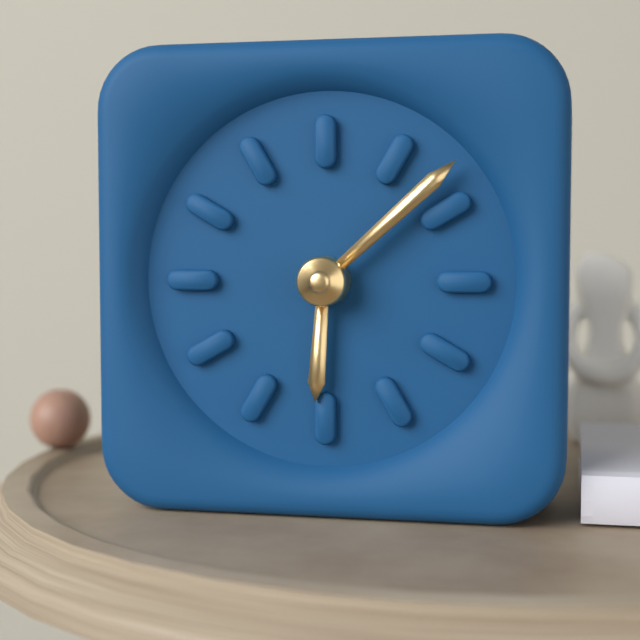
6:08
